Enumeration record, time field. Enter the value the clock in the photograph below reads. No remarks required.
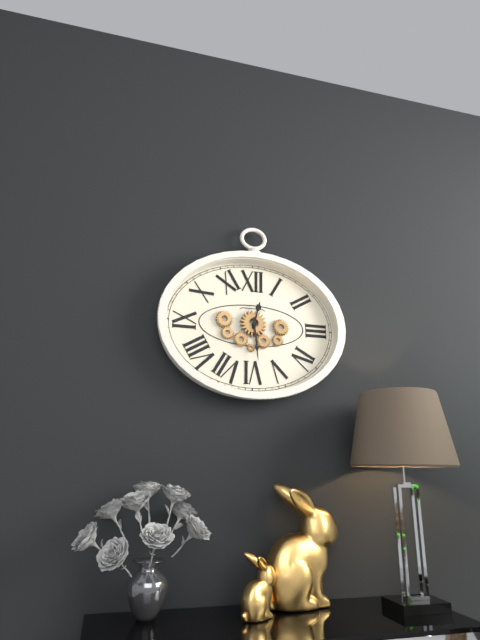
12:29
